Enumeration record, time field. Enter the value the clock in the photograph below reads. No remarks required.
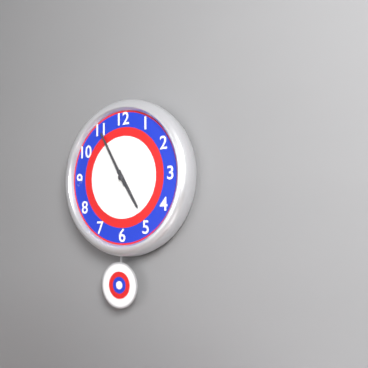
4:55
